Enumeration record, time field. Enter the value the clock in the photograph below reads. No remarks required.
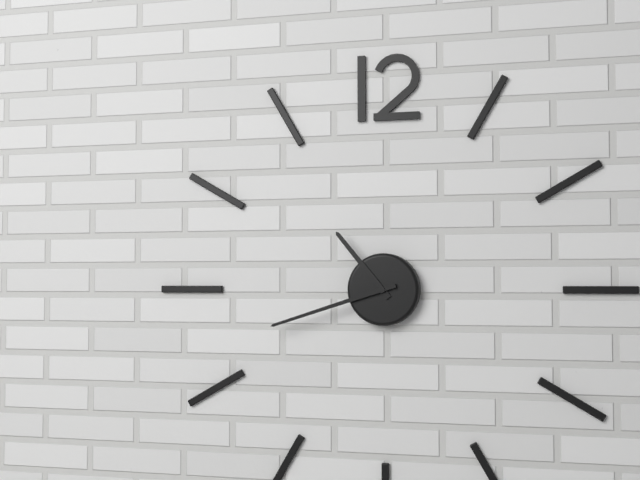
10:42
